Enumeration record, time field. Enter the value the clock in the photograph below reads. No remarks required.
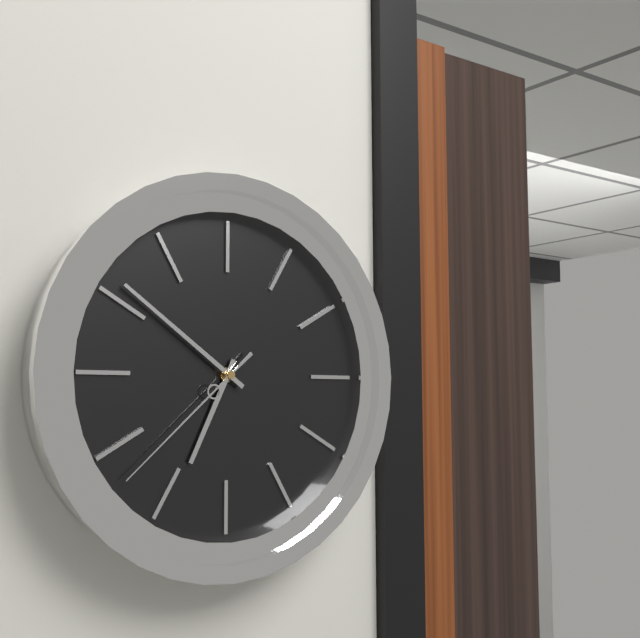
6:51:38
